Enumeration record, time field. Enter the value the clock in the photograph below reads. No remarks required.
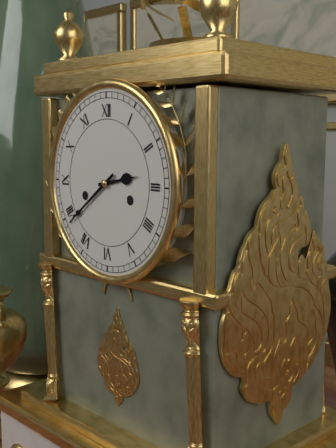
2:39
